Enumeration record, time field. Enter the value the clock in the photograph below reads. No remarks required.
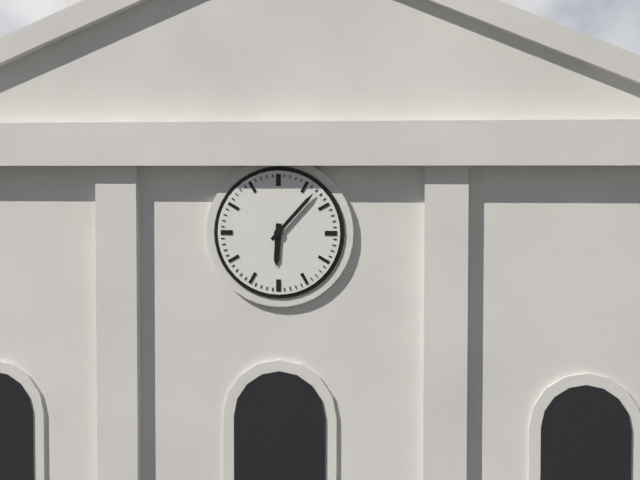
6:07
